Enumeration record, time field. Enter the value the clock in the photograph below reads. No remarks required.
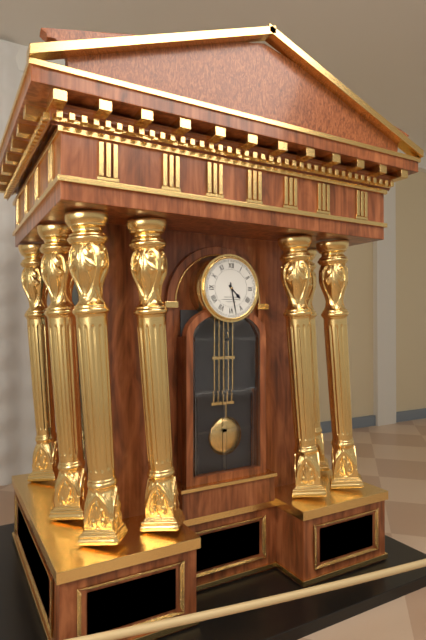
4:28
